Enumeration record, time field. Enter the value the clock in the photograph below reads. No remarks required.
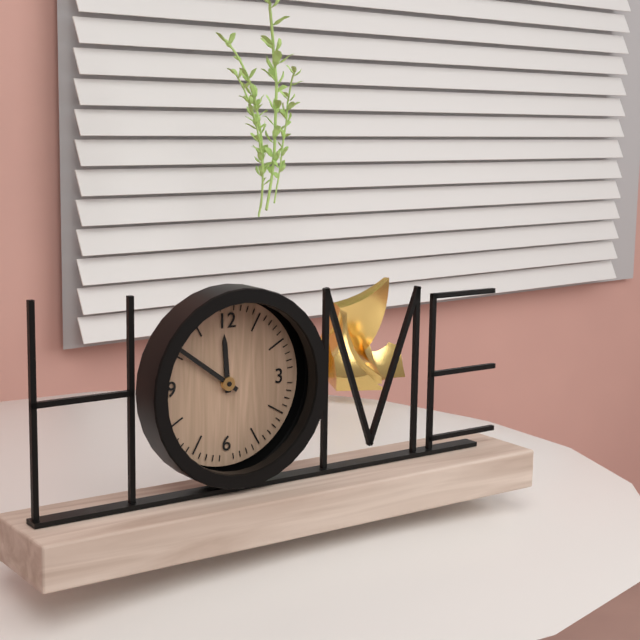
11:51
